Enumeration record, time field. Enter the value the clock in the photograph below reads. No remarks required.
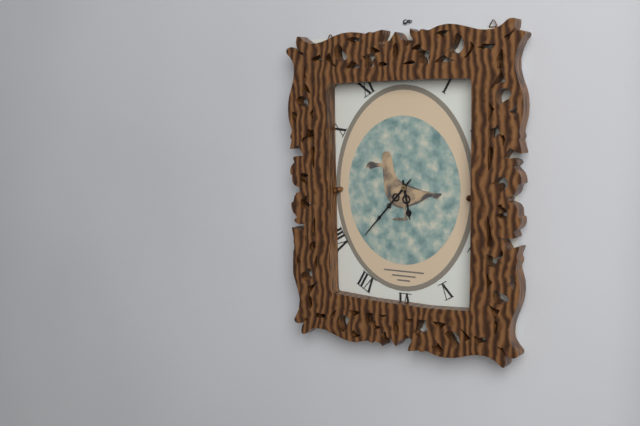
5:37
